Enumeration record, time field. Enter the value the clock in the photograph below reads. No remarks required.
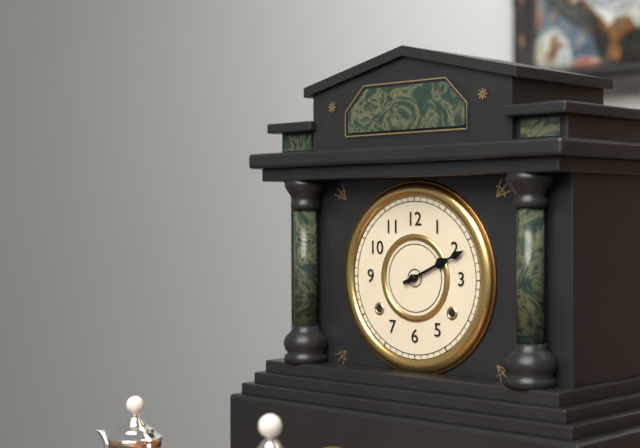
2:11
